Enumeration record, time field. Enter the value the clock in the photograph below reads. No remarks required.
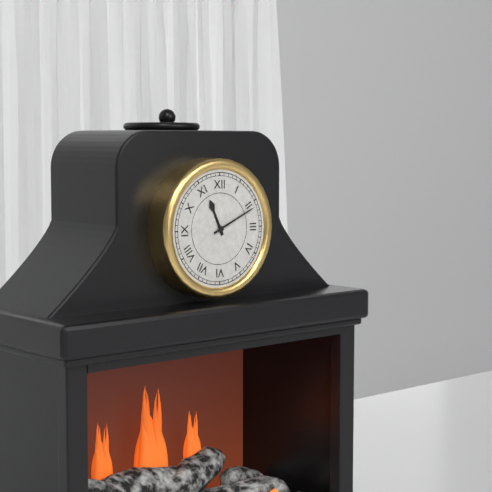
11:11
